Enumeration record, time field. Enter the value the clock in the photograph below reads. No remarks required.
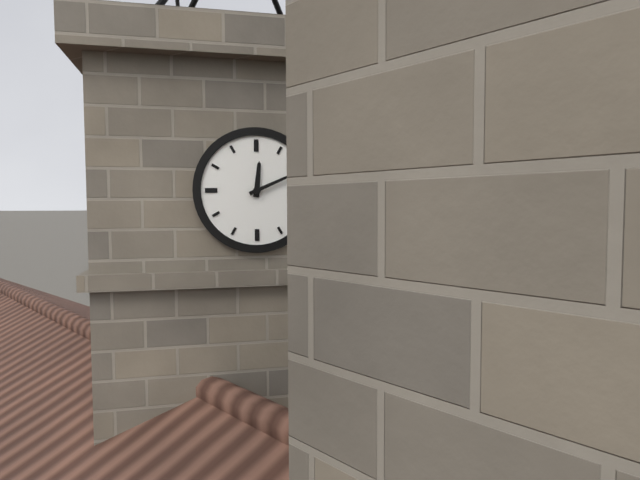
12:11
